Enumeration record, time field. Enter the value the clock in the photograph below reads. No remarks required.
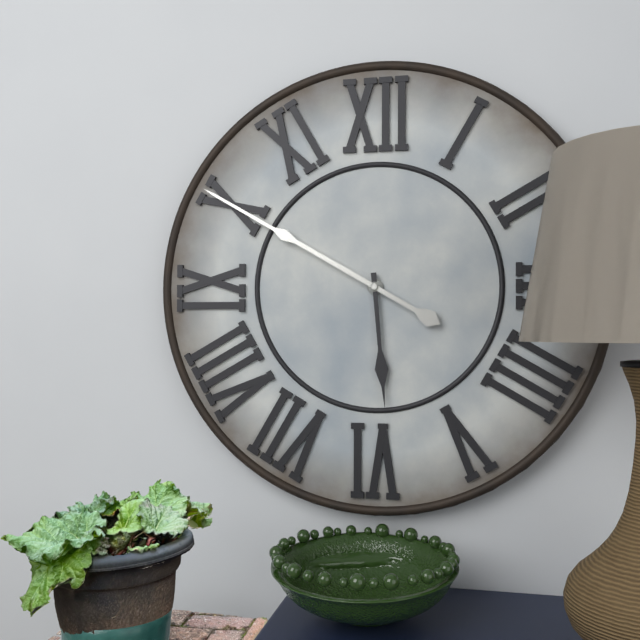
5:50
